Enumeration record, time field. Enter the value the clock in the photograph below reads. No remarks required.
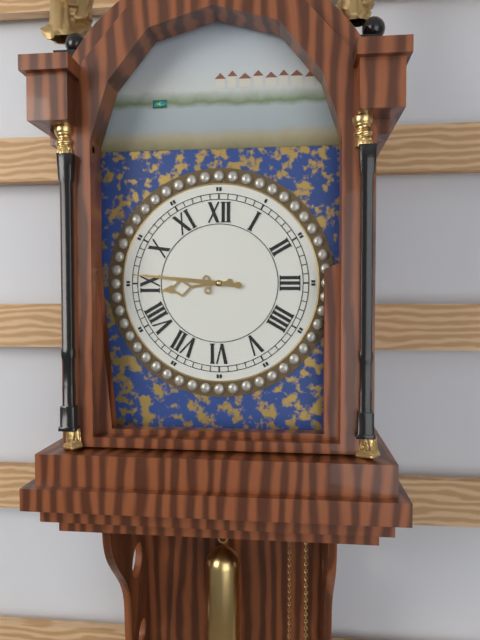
8:46
